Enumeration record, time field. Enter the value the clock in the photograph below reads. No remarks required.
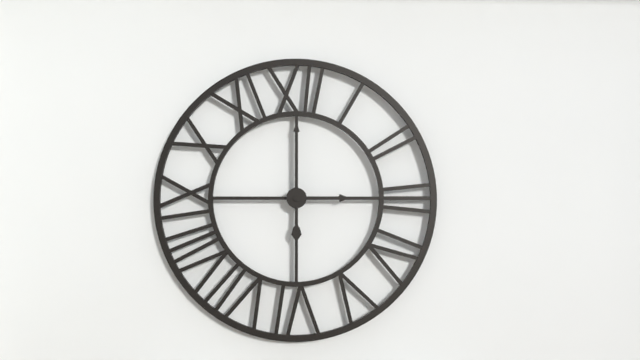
3:00
